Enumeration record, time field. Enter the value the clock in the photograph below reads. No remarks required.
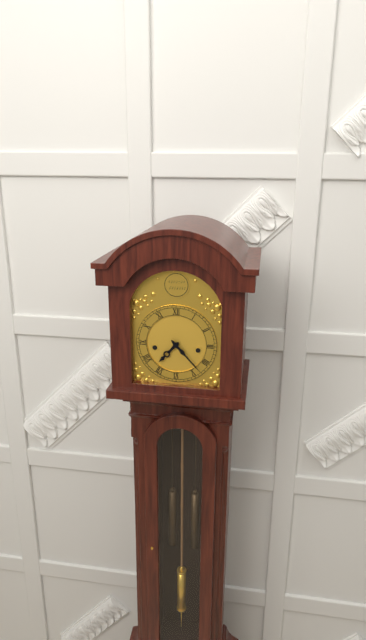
7:23
